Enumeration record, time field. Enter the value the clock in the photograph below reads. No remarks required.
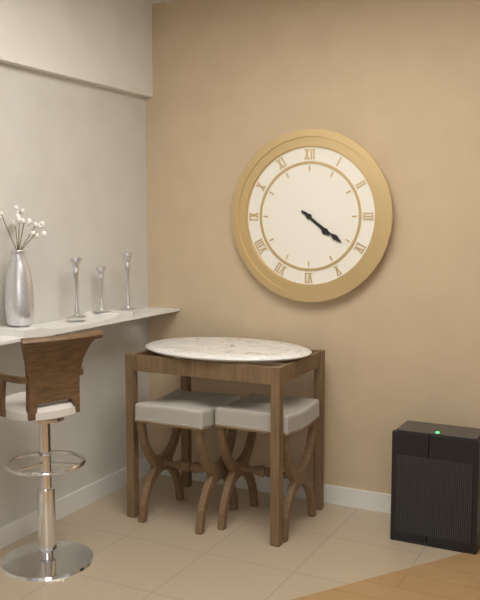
4:21
